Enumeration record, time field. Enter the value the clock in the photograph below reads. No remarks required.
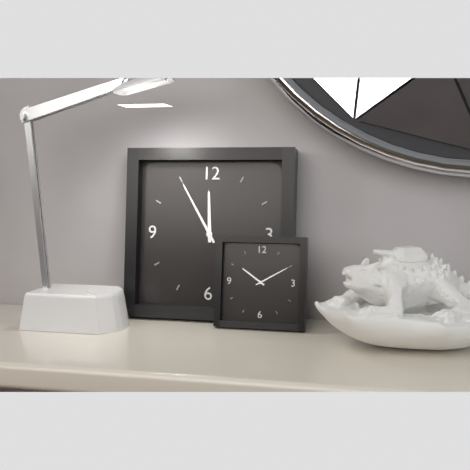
11:55
